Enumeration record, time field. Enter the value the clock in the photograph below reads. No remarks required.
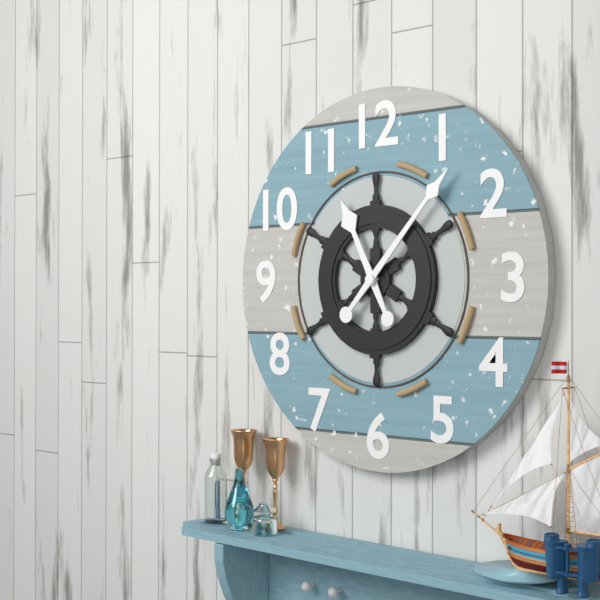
11:07
